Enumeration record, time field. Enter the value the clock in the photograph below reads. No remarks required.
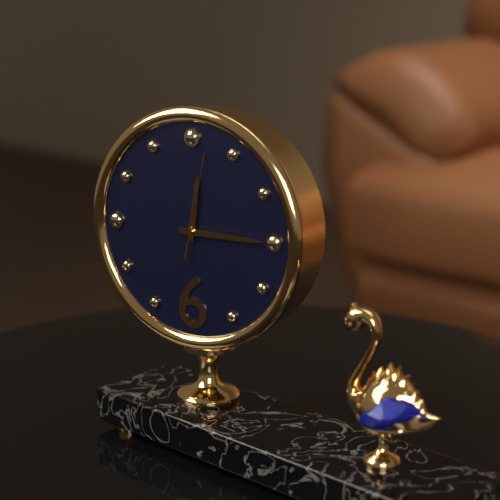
12:15:02
